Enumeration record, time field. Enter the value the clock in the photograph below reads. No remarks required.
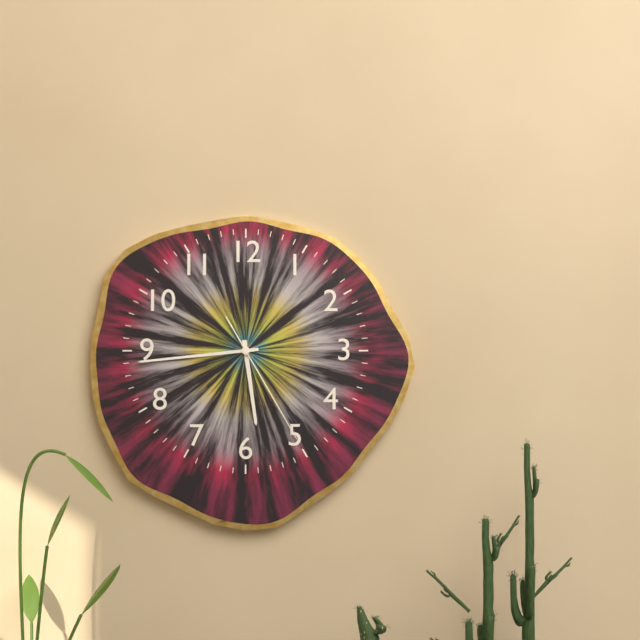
5:44:25
